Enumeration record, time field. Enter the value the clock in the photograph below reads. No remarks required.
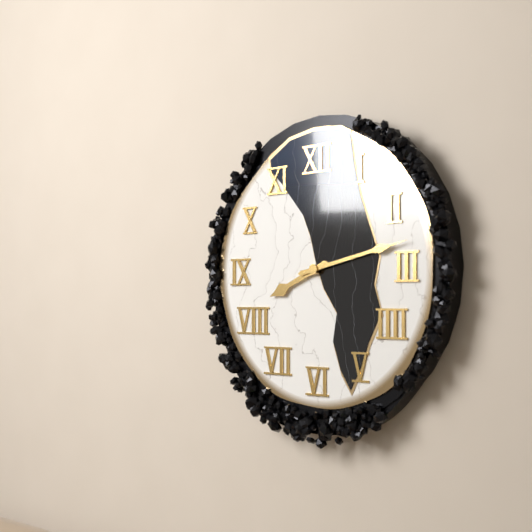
8:13
